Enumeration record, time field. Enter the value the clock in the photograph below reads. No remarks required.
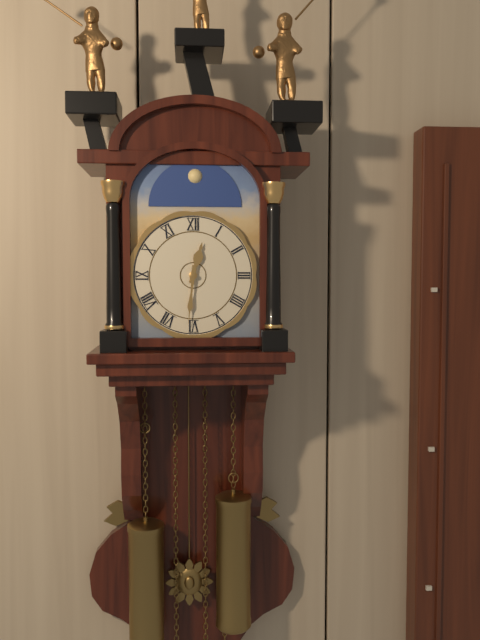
12:31
